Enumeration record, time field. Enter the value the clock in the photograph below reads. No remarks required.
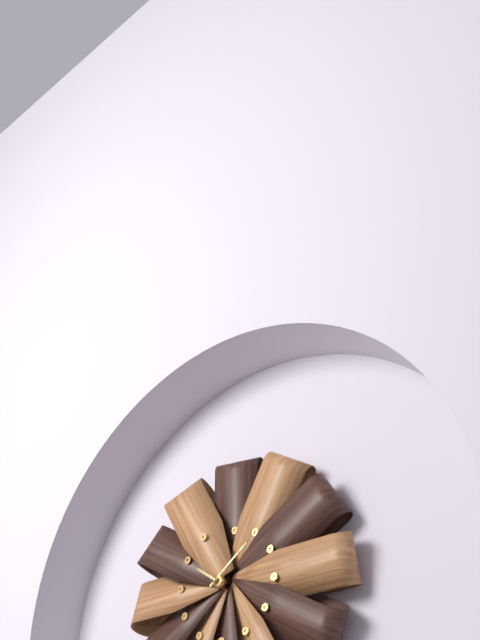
10:09
